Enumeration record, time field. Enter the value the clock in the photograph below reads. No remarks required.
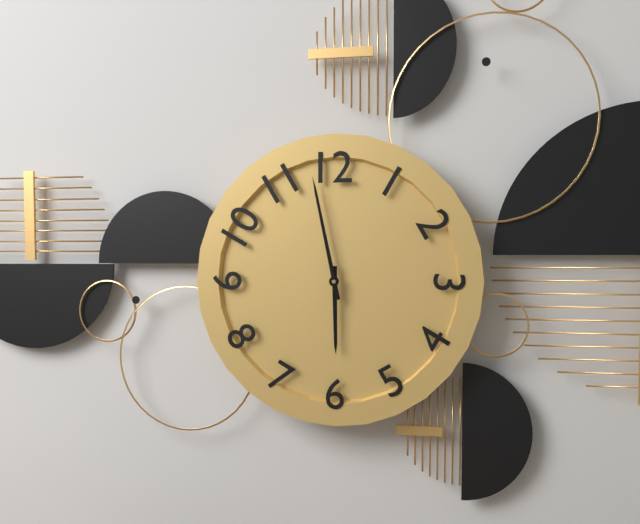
5:58
